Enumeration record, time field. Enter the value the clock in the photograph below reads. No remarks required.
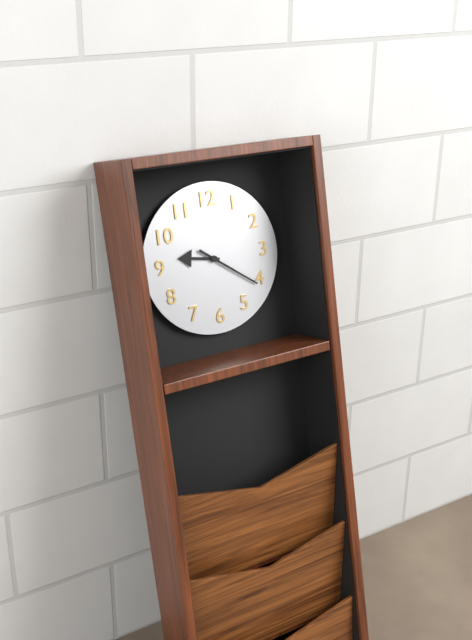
9:21
